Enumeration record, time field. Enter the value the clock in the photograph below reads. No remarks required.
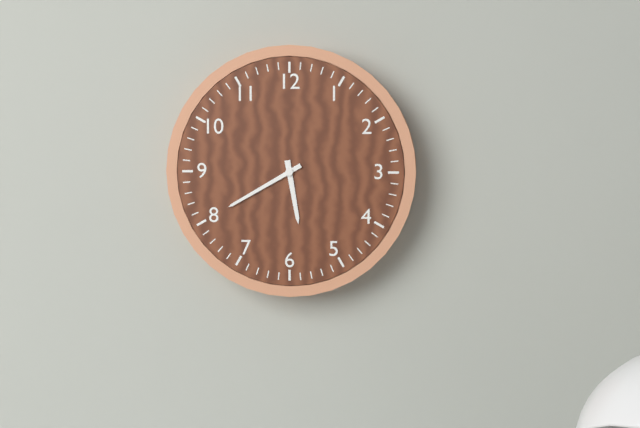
5:40
